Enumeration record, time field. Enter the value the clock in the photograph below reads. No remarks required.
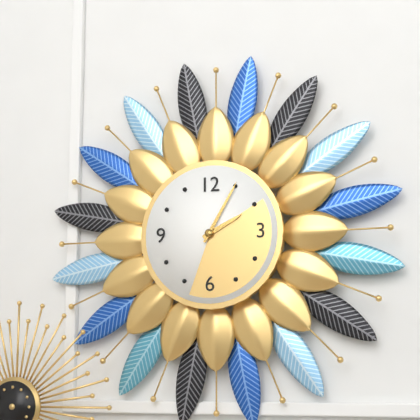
2:05
